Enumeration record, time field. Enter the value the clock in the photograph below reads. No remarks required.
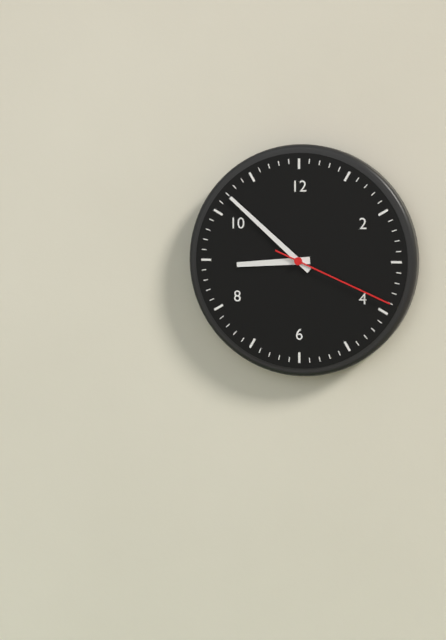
8:52:19
